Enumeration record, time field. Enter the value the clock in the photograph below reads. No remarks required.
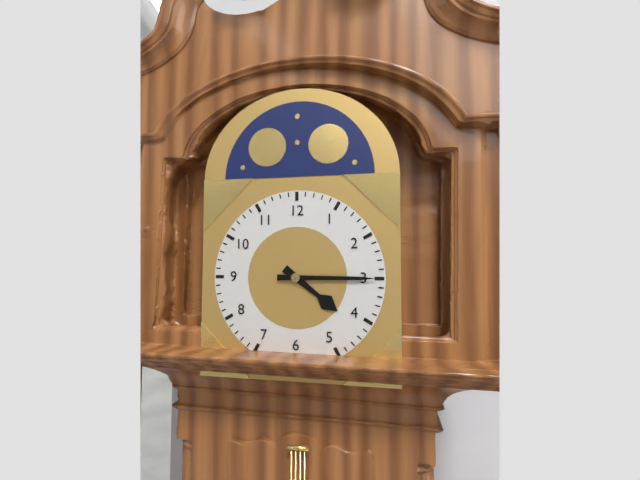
4:15
